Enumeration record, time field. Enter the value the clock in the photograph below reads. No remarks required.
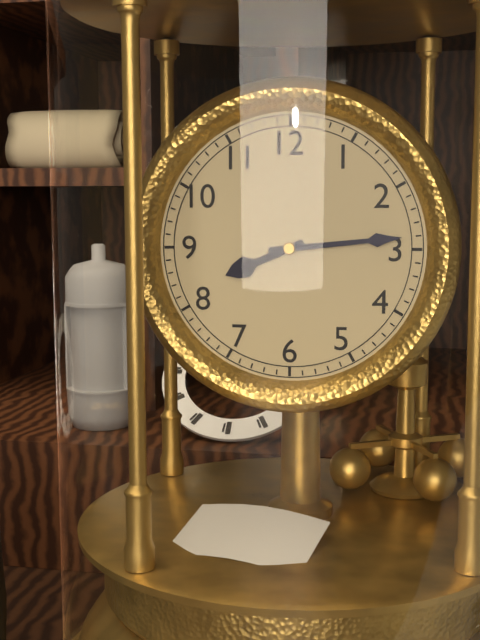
8:14
